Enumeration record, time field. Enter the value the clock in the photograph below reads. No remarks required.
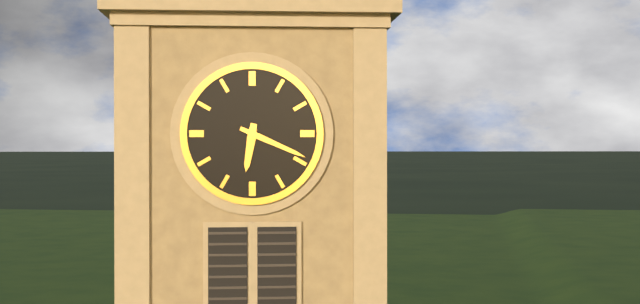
6:19
